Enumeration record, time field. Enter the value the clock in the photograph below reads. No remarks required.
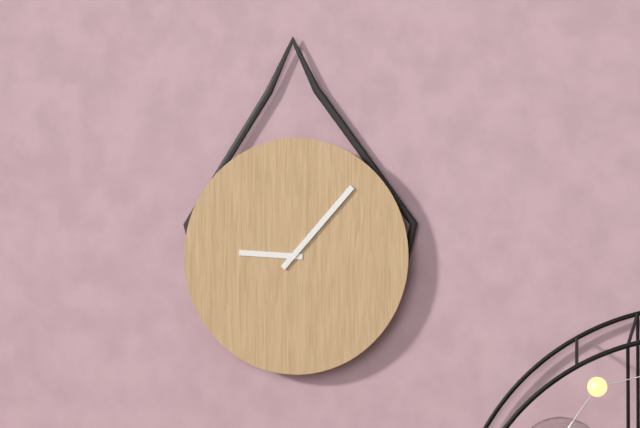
9:07
